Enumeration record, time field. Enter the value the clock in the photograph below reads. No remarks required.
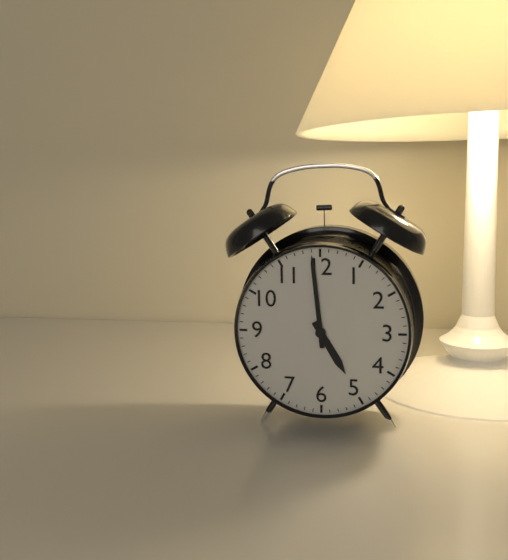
4:59
